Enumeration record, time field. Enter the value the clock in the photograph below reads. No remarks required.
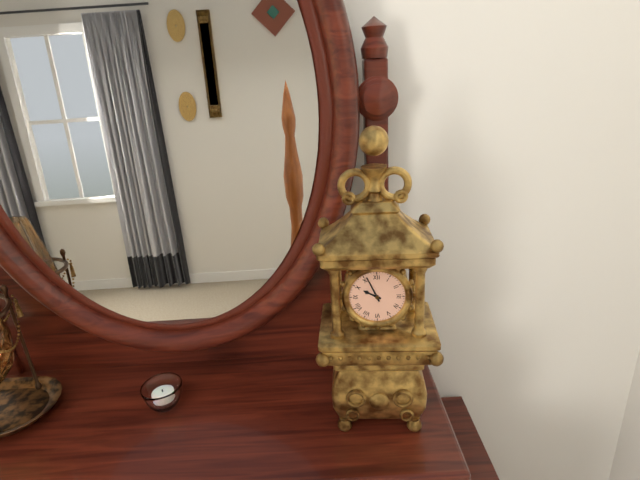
9:56
